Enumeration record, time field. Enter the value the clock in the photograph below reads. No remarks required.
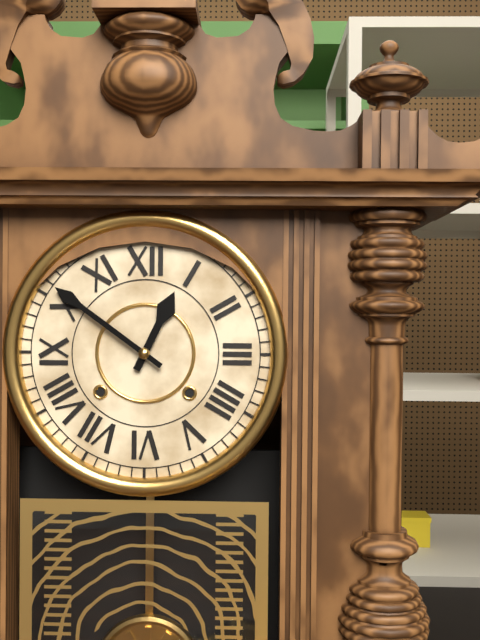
12:51
